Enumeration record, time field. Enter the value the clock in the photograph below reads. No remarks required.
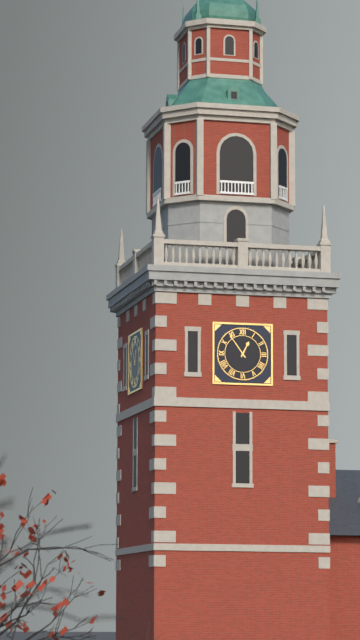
12:54
